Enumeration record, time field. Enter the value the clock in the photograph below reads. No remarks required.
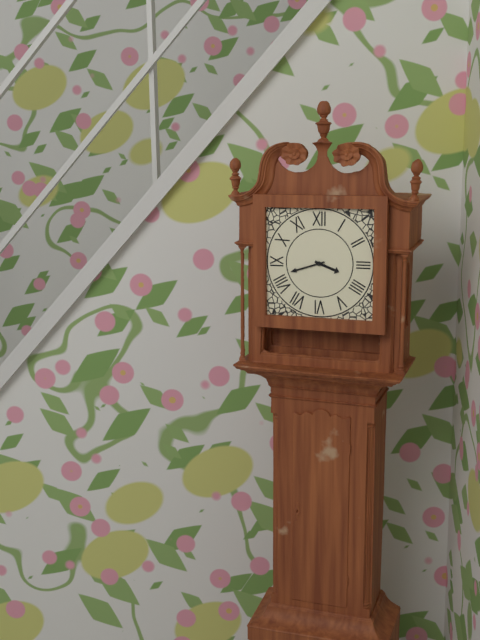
3:42
